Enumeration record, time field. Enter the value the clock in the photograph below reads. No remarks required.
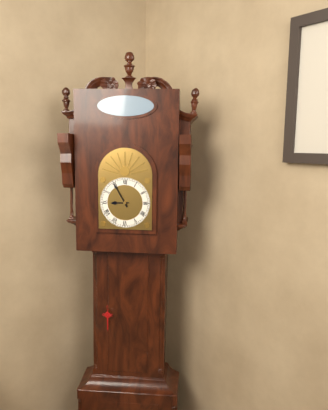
8:55
